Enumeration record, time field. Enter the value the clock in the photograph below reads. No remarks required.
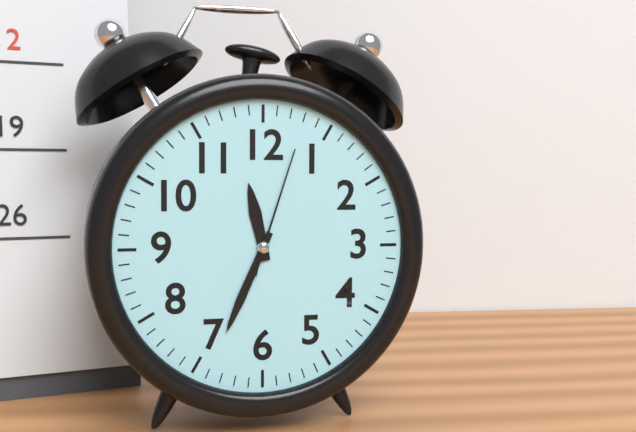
11:34:03
